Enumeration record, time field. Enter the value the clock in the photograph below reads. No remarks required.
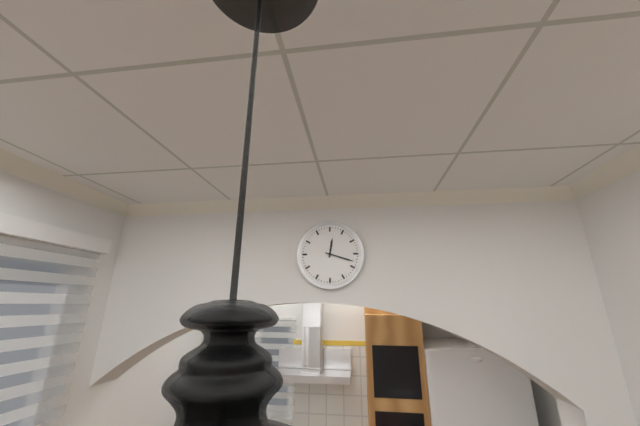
12:18
